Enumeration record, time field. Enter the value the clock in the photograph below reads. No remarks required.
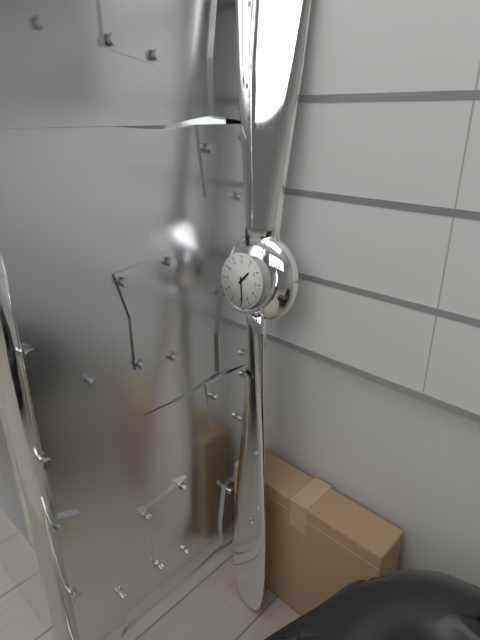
1:29
